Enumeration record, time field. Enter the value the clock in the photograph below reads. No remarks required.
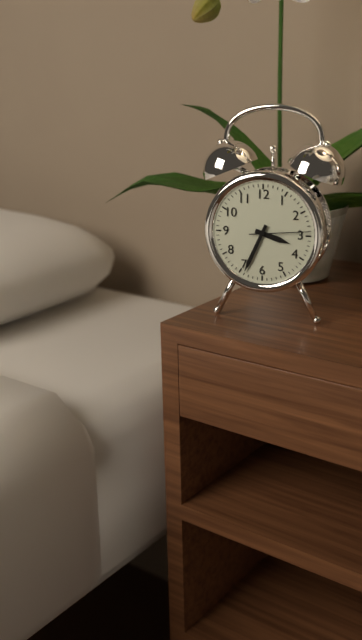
3:34:14
